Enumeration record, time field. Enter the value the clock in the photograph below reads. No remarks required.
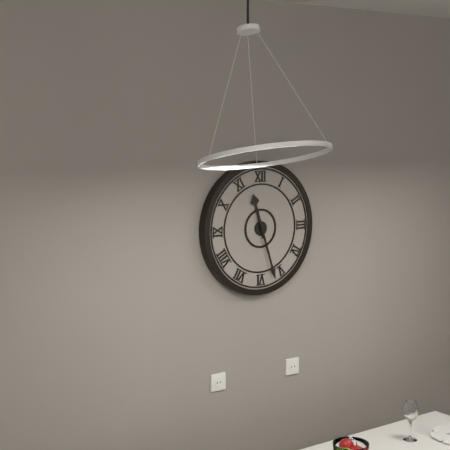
11:27
